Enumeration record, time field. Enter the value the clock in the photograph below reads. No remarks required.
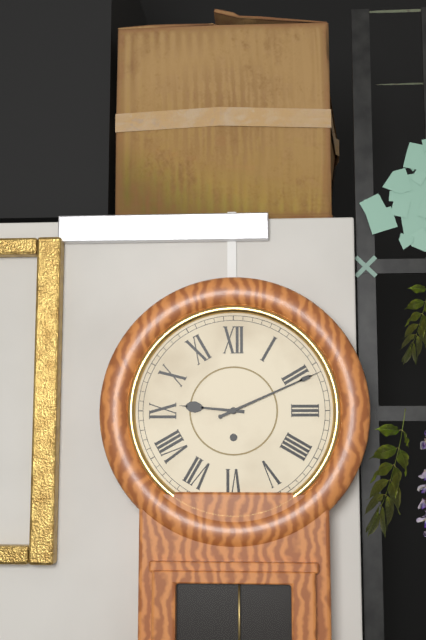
9:11
